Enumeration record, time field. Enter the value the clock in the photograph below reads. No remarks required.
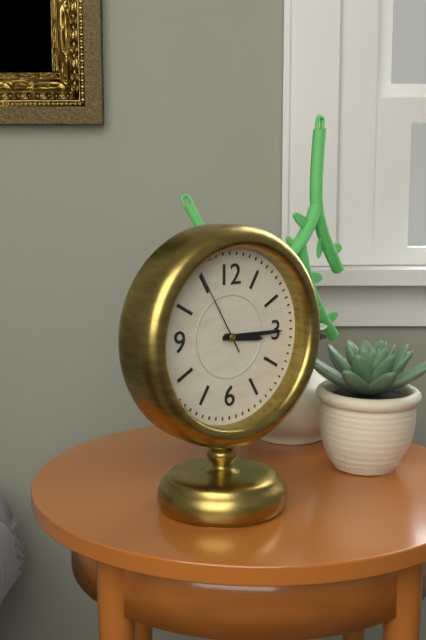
3:15:55
